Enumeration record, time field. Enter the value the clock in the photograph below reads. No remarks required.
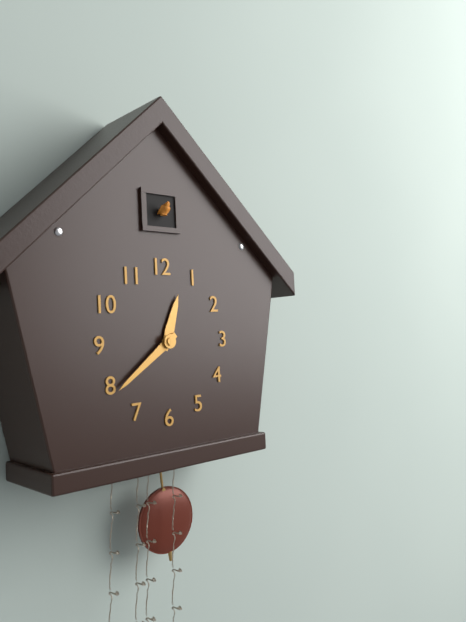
12:39
